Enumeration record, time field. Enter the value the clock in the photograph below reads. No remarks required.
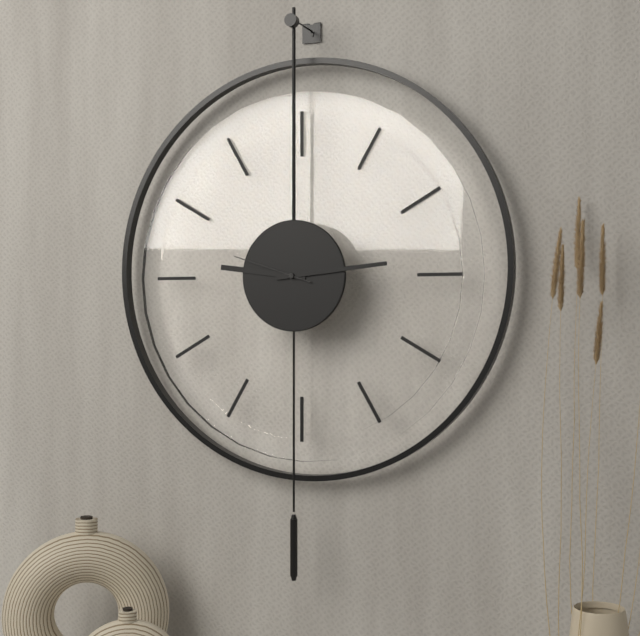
9:14:48
